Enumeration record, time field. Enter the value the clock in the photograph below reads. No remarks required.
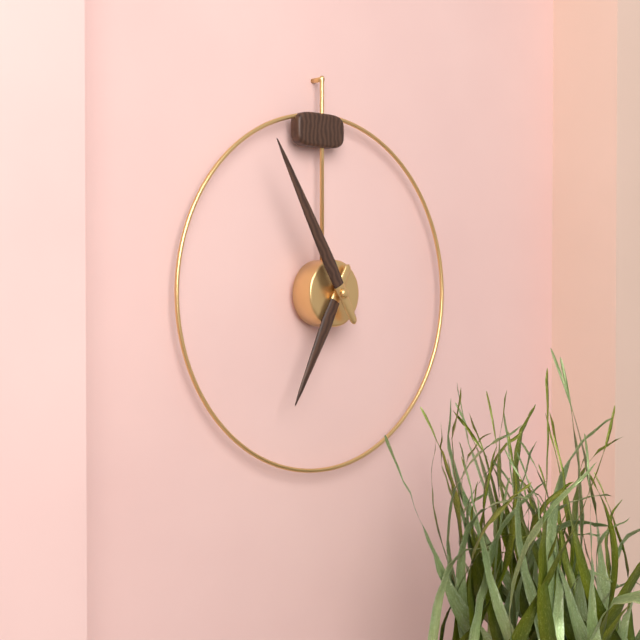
6:55
